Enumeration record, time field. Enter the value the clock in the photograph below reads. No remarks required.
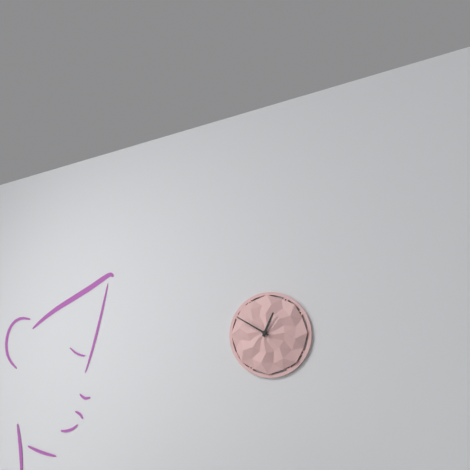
12:50
